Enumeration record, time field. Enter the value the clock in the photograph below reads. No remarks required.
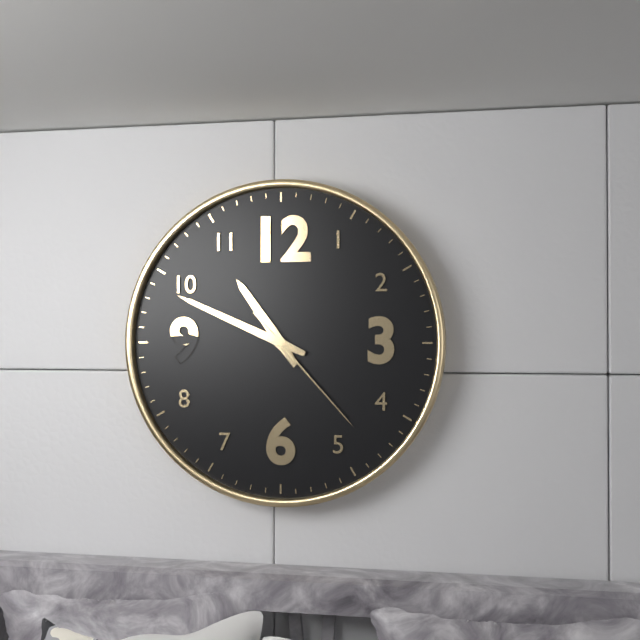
10:49:23
